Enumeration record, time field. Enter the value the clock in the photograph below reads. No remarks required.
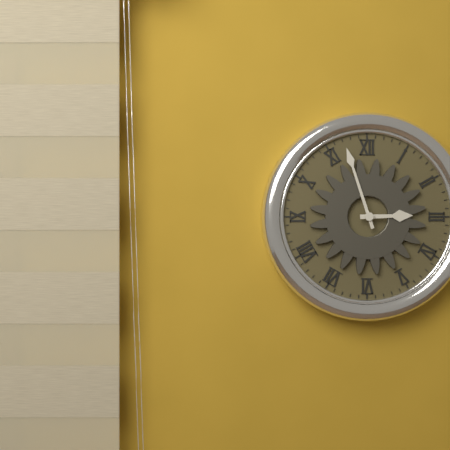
2:57
